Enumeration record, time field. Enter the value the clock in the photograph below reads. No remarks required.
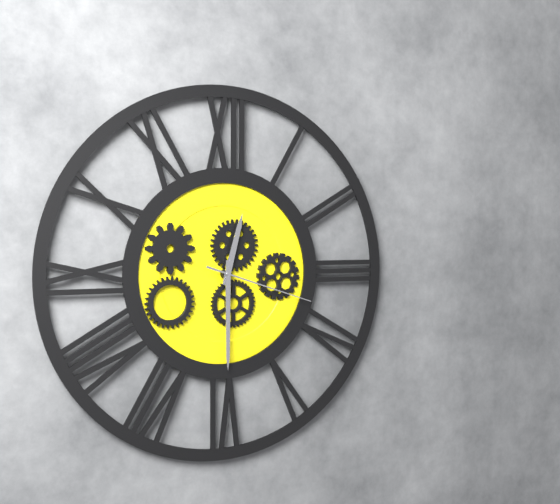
12:30:18
